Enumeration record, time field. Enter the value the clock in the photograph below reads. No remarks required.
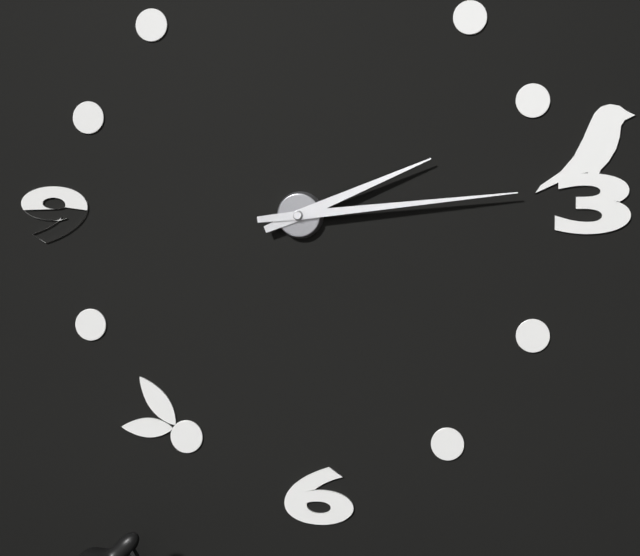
2:14
